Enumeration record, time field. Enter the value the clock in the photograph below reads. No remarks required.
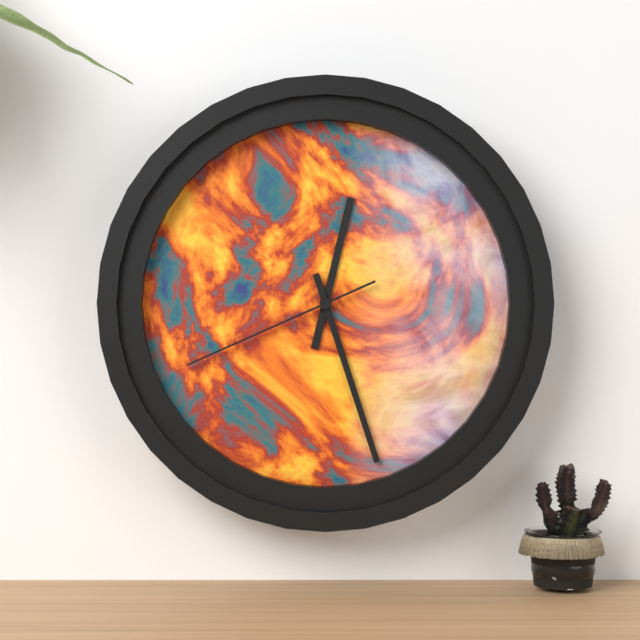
12:27:41
